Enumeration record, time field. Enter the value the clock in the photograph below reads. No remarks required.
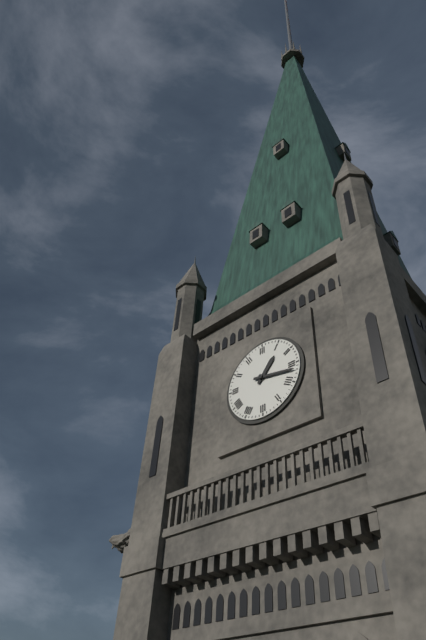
1:17
